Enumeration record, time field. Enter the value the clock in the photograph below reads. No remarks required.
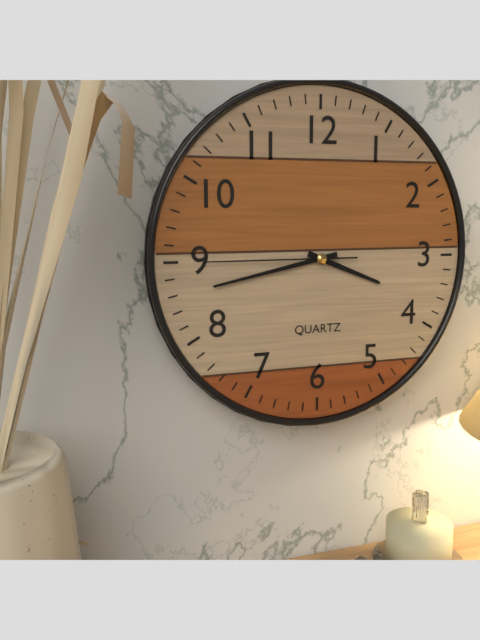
3:43:45
